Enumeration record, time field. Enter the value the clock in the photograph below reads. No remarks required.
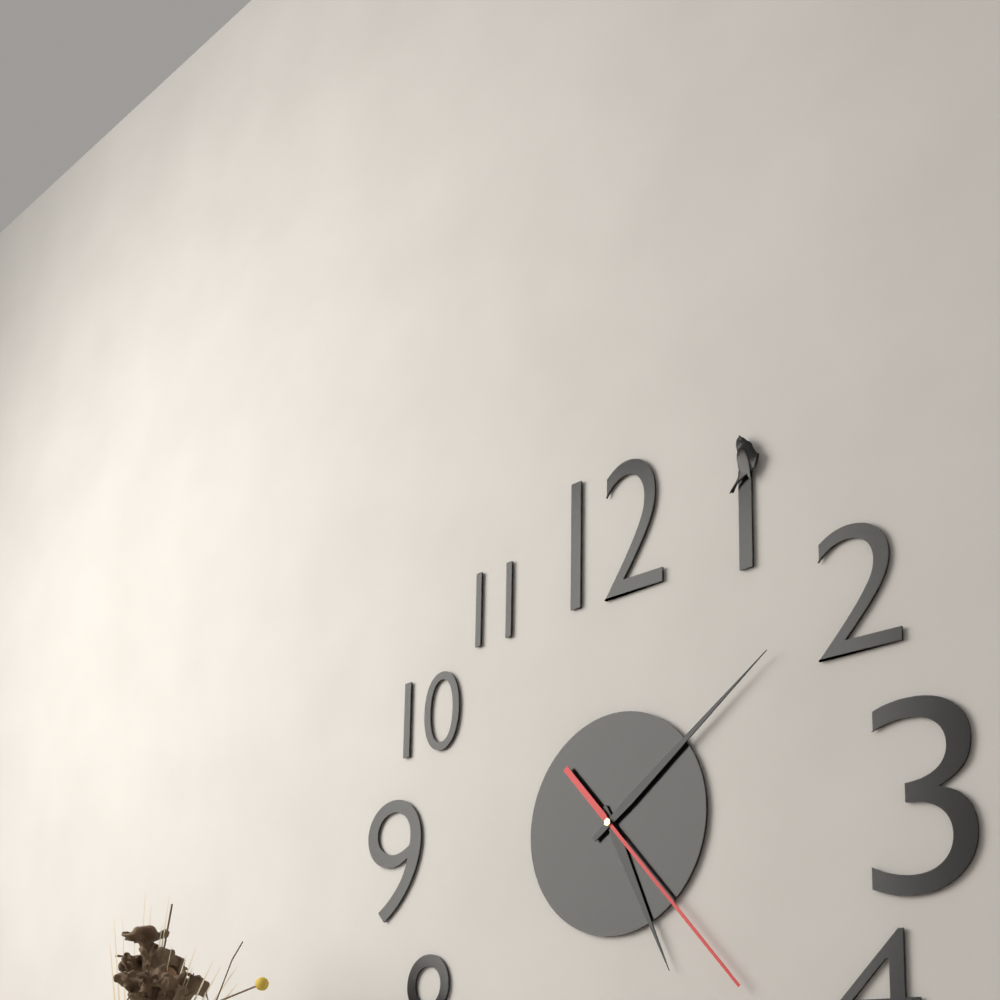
5:09:23
